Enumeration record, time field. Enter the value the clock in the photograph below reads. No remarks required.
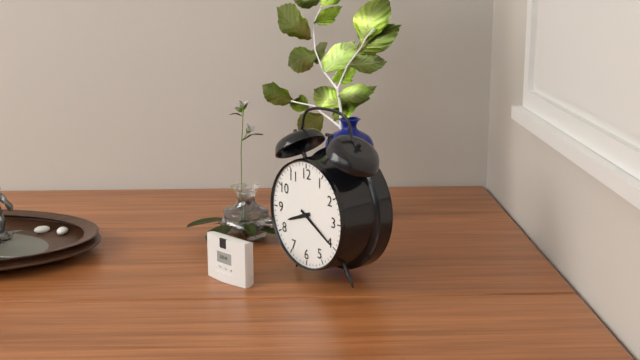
8:20
